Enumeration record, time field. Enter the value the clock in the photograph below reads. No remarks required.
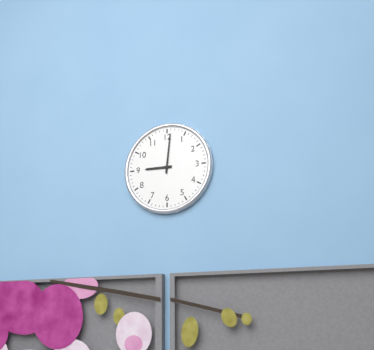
9:01
